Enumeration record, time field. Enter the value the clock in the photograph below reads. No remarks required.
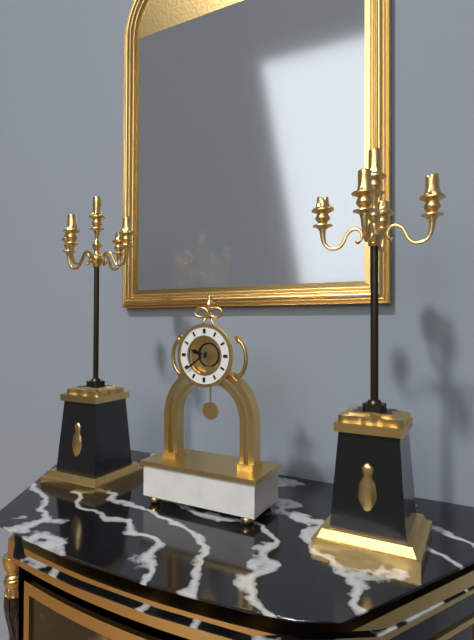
9:39
